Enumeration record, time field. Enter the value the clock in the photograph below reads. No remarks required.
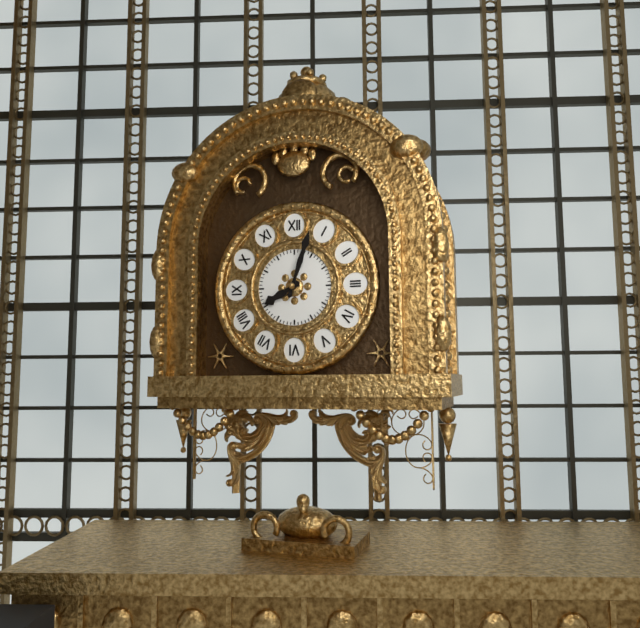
8:03
